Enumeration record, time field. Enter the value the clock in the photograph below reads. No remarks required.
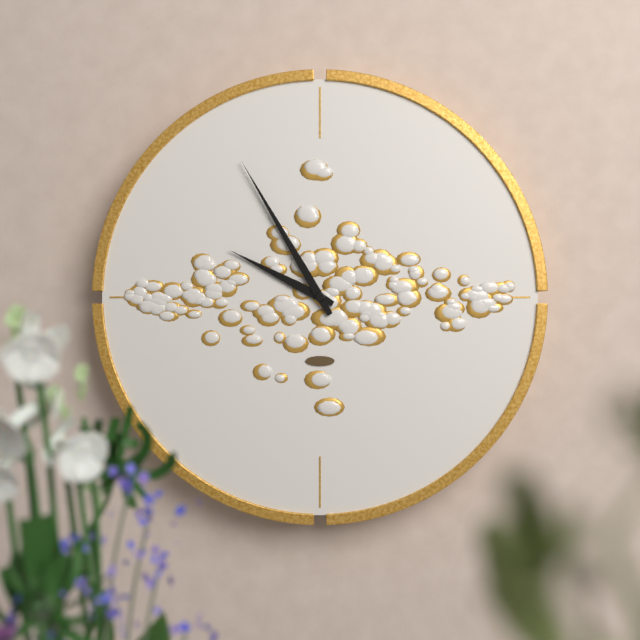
9:55
